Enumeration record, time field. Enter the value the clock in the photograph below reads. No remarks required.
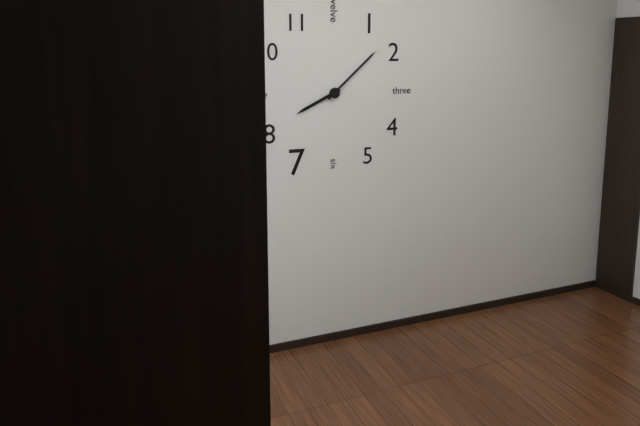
8:08
